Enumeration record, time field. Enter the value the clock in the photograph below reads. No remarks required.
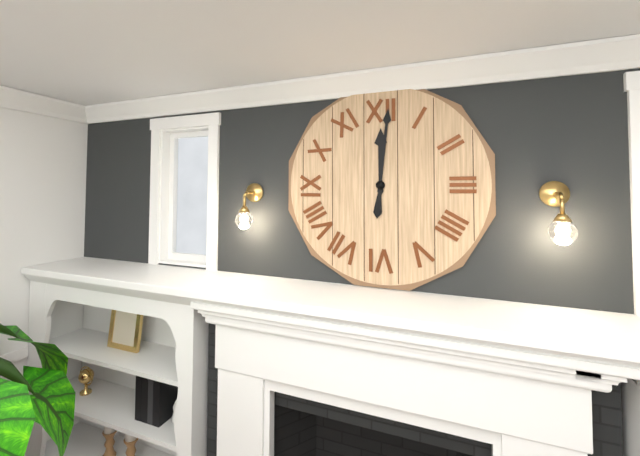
12:01
